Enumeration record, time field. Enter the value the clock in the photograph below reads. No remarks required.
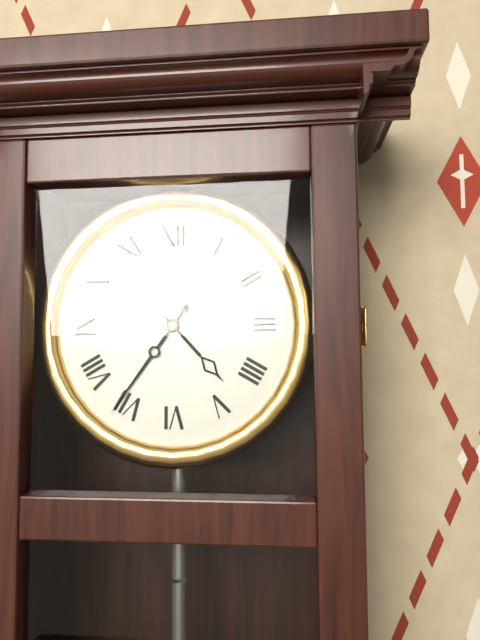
4:36
